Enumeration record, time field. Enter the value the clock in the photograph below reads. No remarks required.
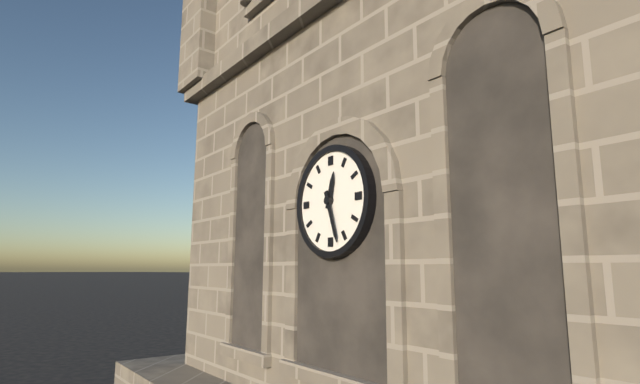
12:27
